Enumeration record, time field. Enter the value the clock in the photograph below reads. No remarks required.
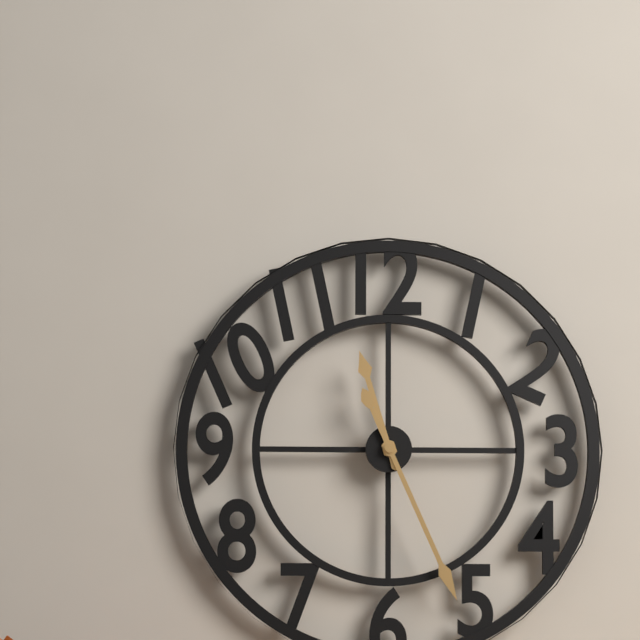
11:26
